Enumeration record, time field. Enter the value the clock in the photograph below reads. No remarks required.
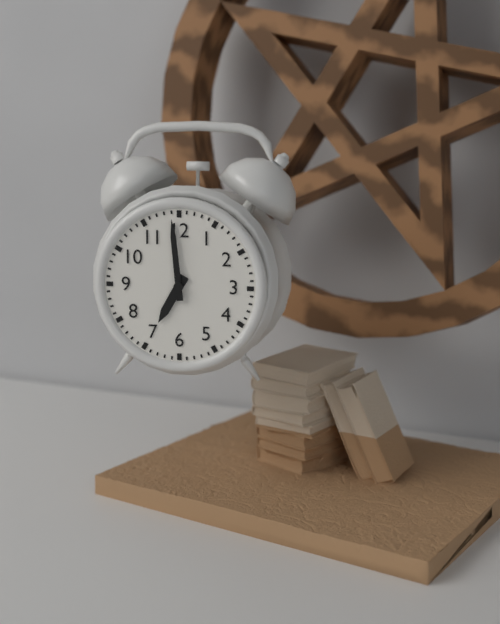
6:59
